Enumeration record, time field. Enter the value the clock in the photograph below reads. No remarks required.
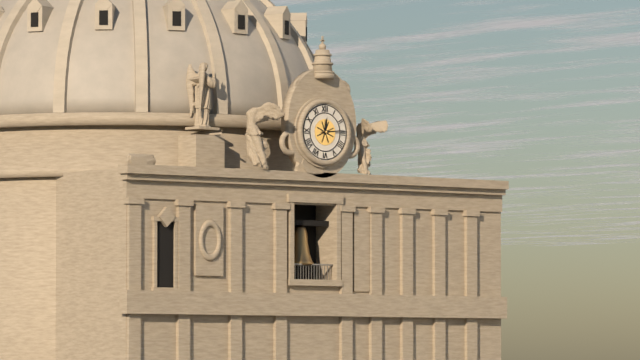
12:14
